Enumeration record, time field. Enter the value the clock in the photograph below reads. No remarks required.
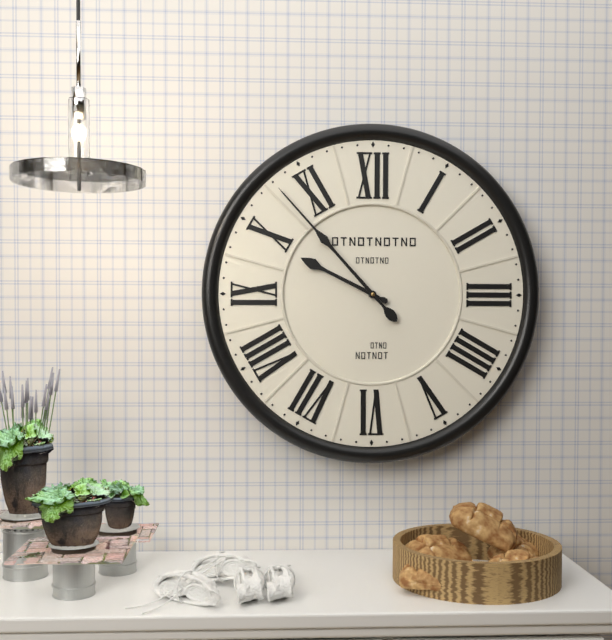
9:53
